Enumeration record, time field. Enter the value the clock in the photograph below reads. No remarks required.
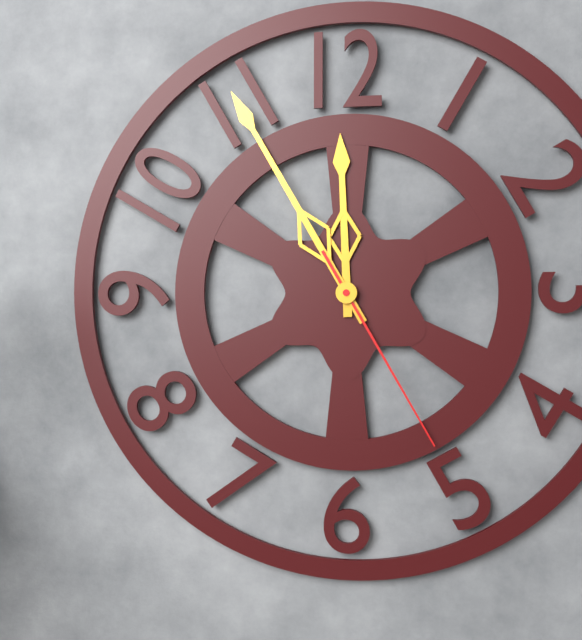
11:55:25
